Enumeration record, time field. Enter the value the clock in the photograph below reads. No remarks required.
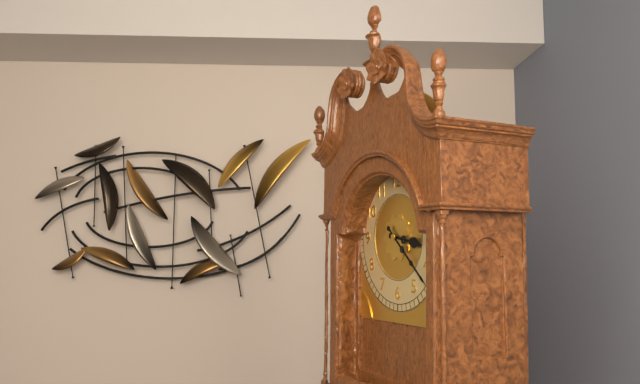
3:22
